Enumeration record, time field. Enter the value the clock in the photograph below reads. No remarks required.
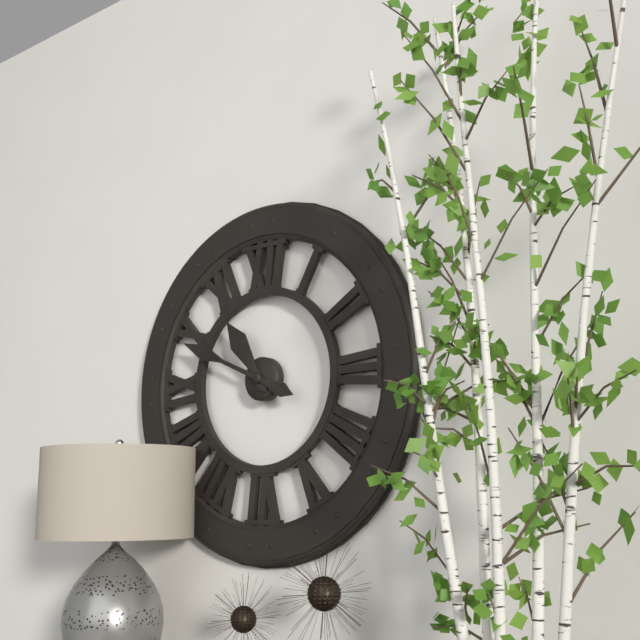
10:49
